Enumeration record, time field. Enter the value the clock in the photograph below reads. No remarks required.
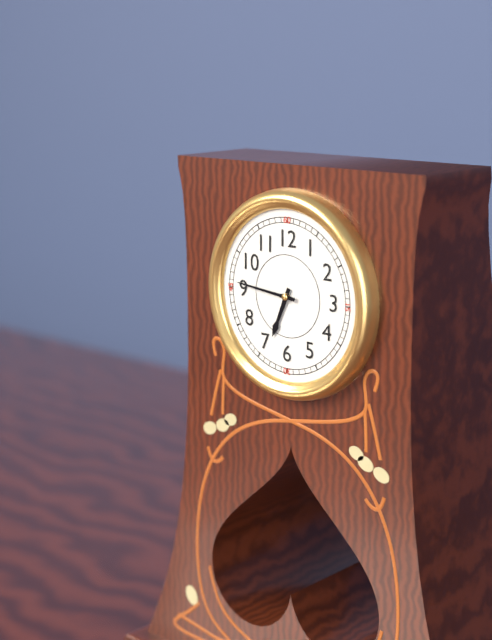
6:46
